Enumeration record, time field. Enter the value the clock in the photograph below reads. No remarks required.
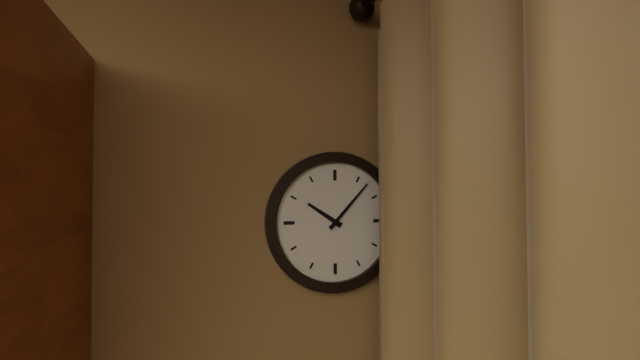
10:07
